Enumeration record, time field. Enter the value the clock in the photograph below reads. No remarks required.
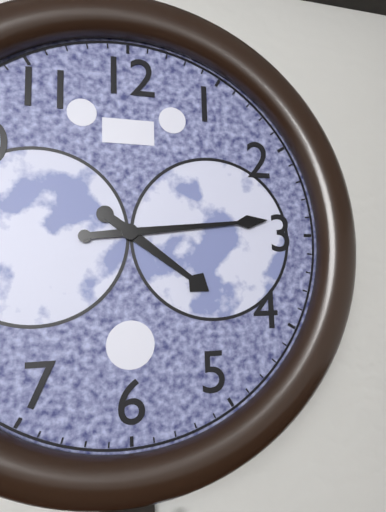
4:14
